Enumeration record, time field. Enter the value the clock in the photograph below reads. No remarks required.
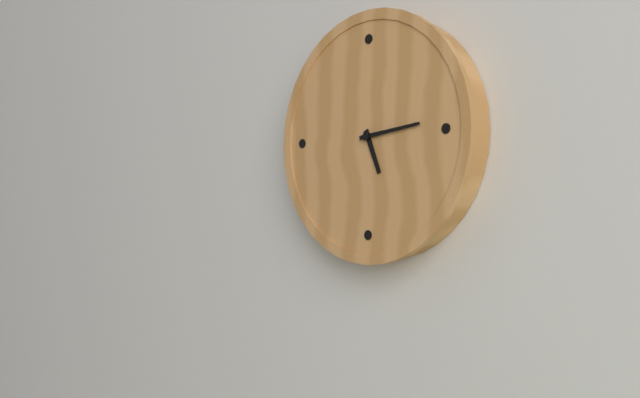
5:14
